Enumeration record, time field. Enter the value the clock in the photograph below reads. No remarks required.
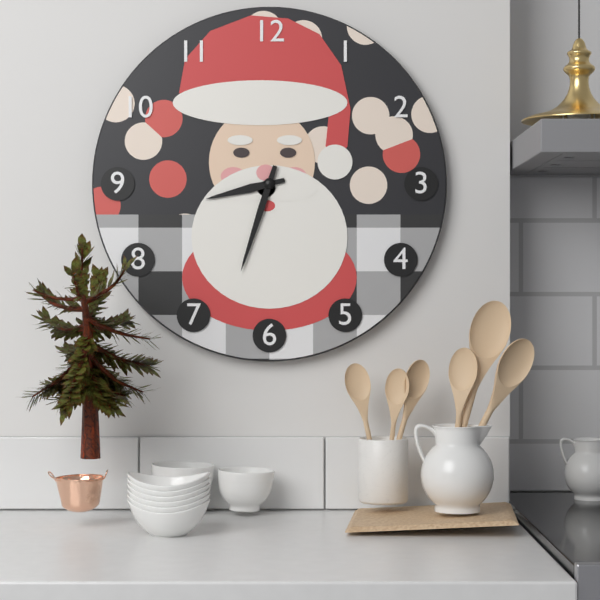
8:33
